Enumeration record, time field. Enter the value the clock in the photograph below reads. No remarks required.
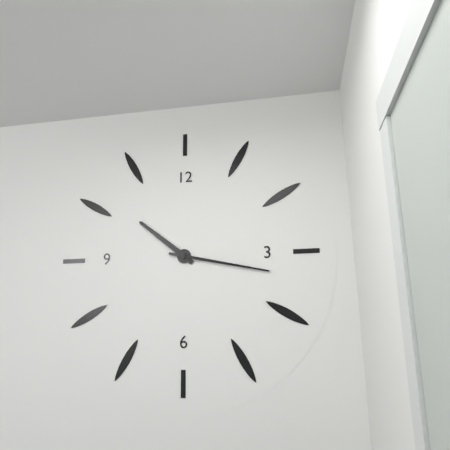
10:17
